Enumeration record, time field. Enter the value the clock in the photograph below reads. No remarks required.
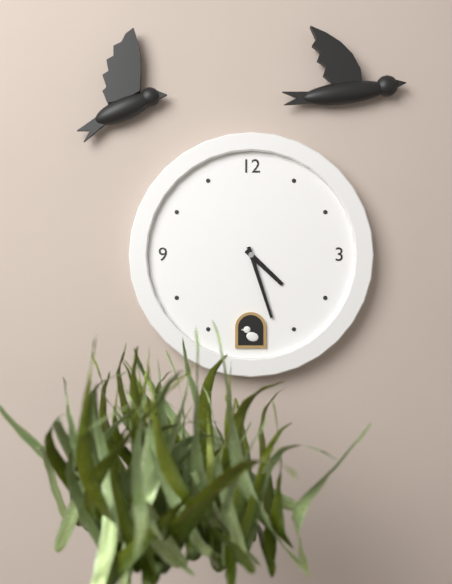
4:27
